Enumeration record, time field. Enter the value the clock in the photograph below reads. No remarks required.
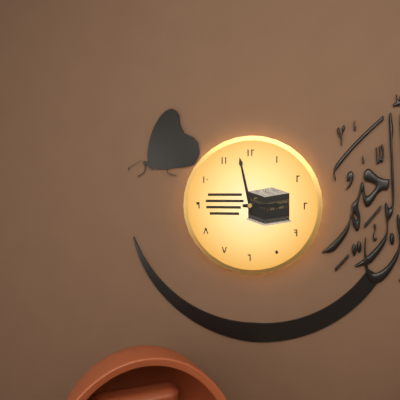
2:58
